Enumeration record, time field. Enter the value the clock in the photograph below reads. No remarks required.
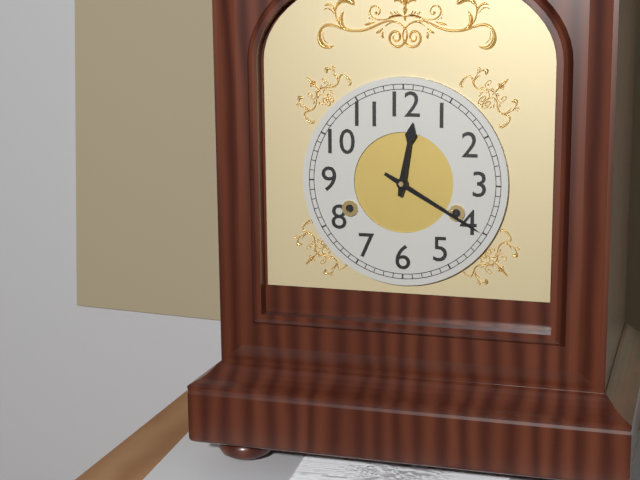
12:20
